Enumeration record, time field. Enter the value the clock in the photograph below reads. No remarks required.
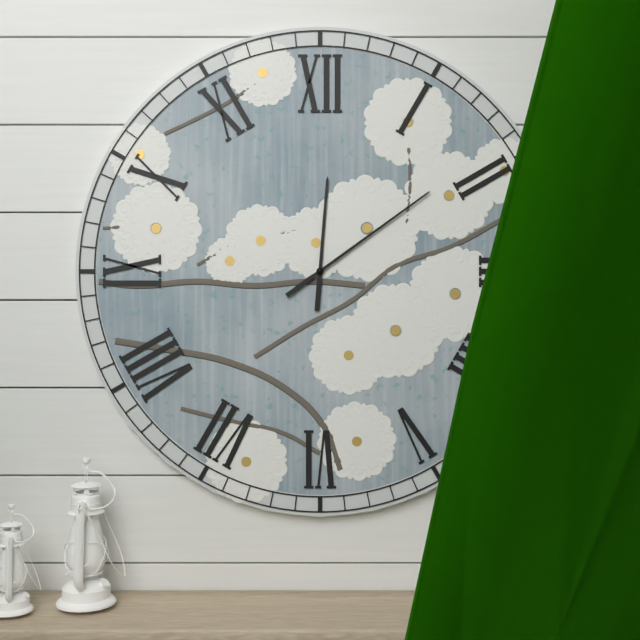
12:09
